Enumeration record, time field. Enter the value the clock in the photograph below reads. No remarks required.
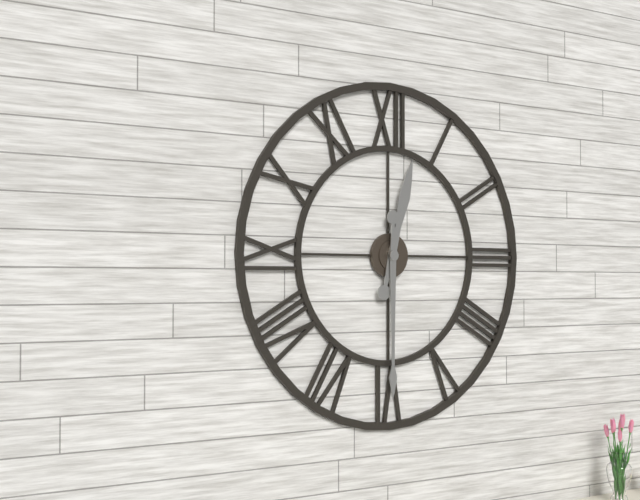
12:30
